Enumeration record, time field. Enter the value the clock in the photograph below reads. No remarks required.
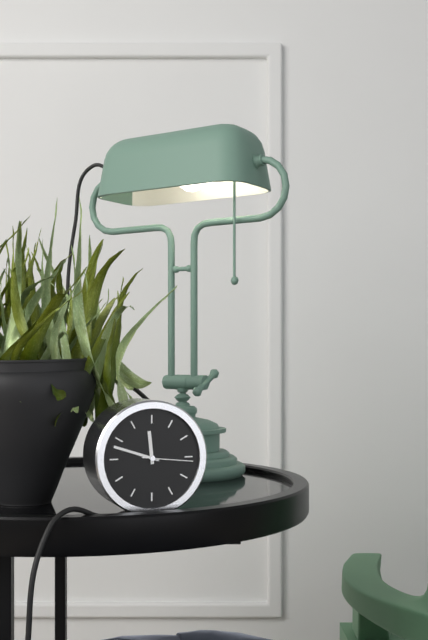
11:48:16
